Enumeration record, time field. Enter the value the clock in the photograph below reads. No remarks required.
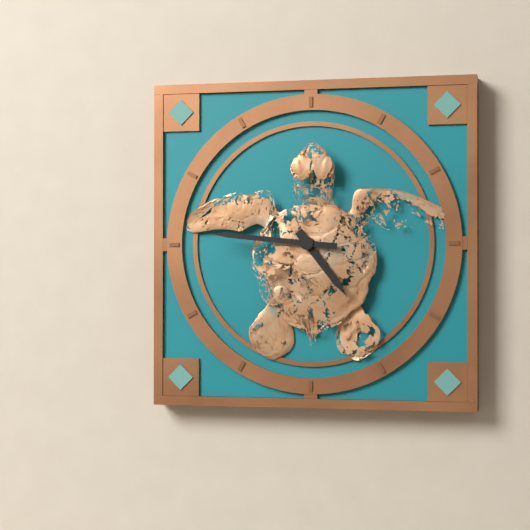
4:46
